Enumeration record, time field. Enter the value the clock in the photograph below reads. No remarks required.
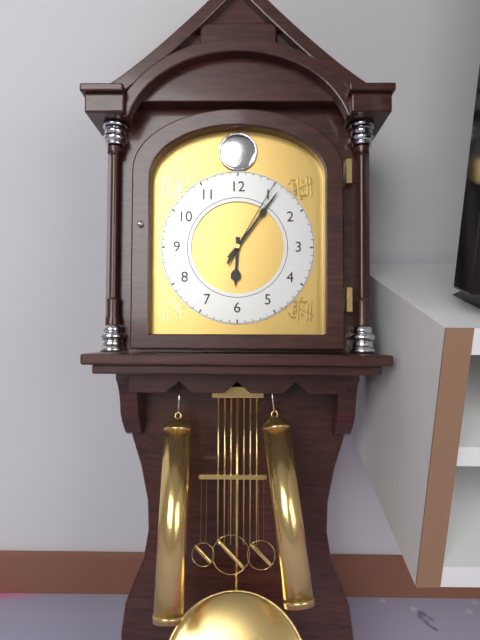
6:06:05
